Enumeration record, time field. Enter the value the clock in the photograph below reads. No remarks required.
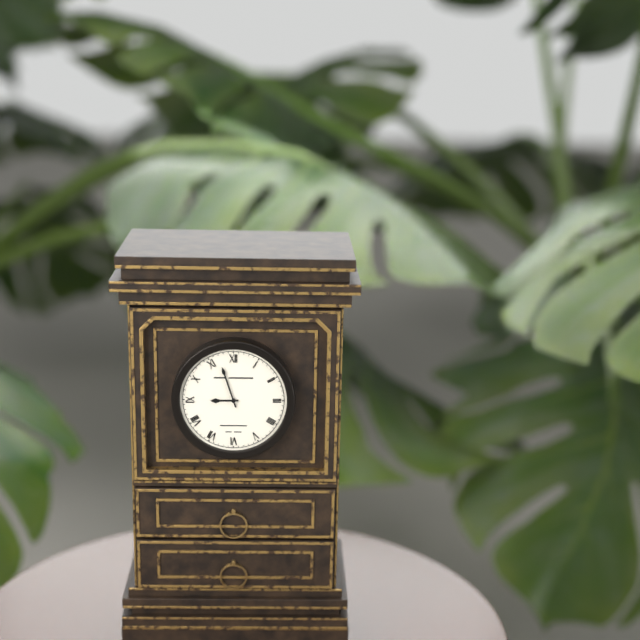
8:57
